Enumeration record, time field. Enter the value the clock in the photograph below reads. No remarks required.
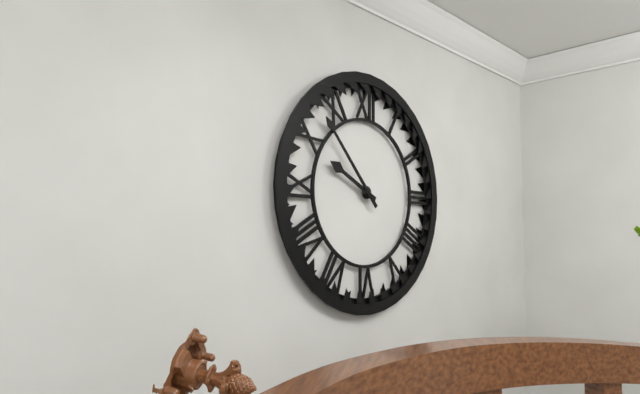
9:53
